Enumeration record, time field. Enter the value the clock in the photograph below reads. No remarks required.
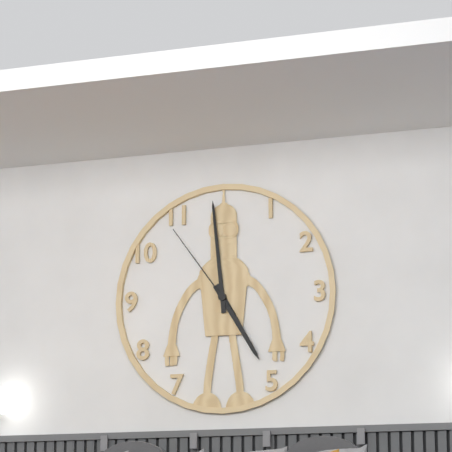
4:59:54
